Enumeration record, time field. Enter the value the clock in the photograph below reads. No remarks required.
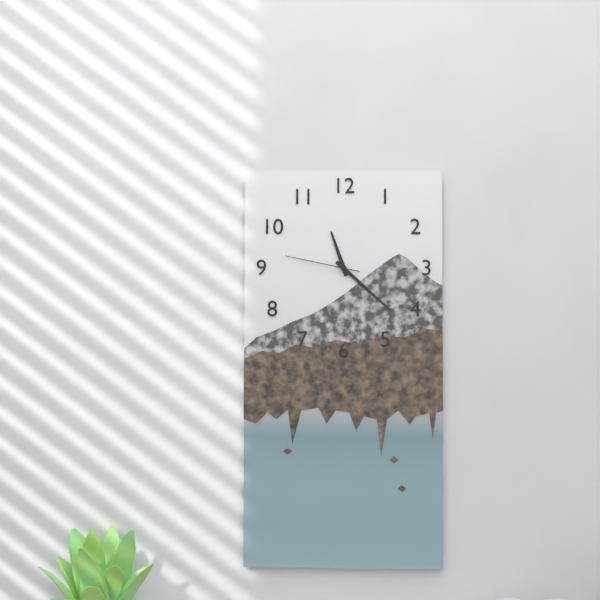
11:22:47
